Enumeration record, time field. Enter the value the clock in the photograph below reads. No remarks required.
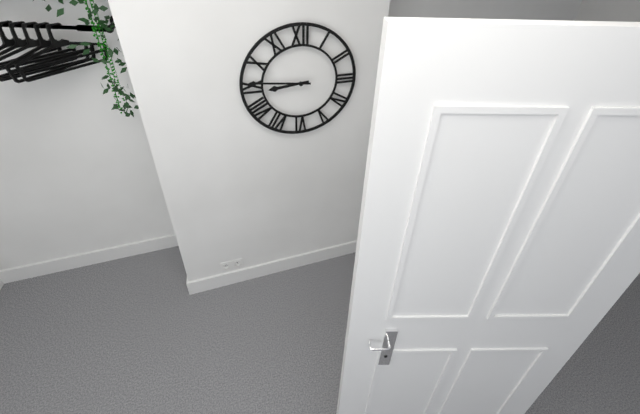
8:46
